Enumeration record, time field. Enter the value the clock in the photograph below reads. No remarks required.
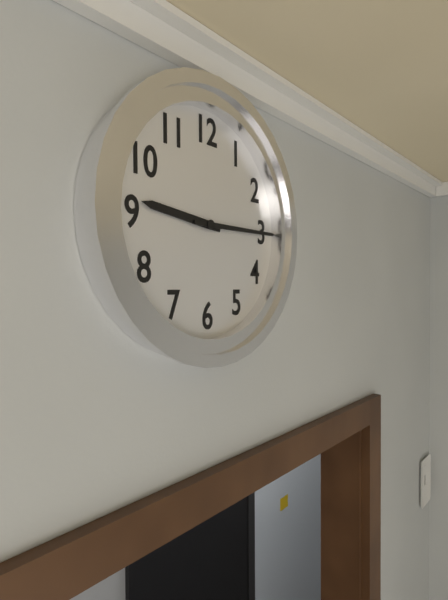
9:15
